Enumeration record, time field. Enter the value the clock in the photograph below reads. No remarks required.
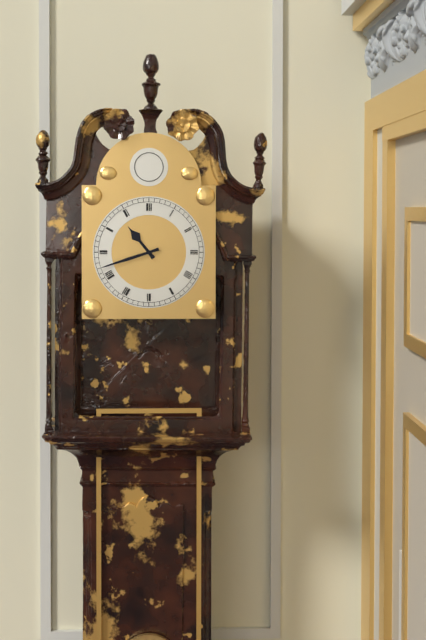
10:42
